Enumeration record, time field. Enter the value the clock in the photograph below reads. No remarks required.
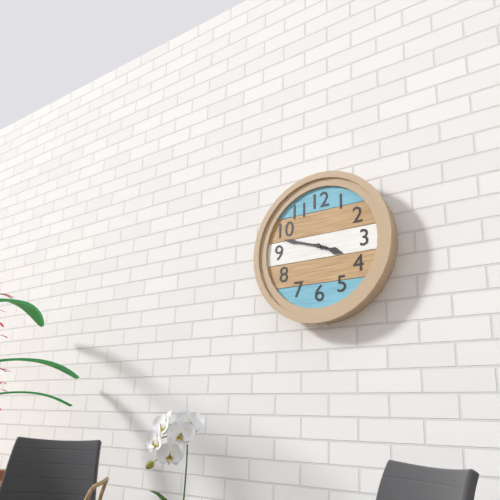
3:48
